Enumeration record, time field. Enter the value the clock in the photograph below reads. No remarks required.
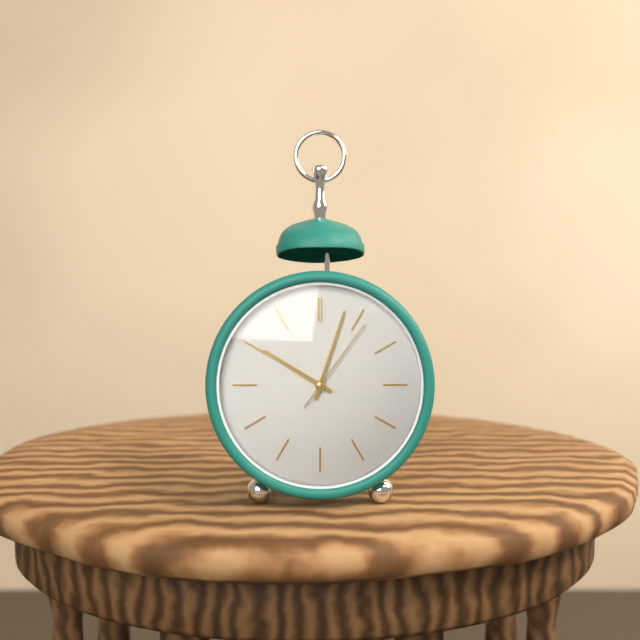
10:03:06
